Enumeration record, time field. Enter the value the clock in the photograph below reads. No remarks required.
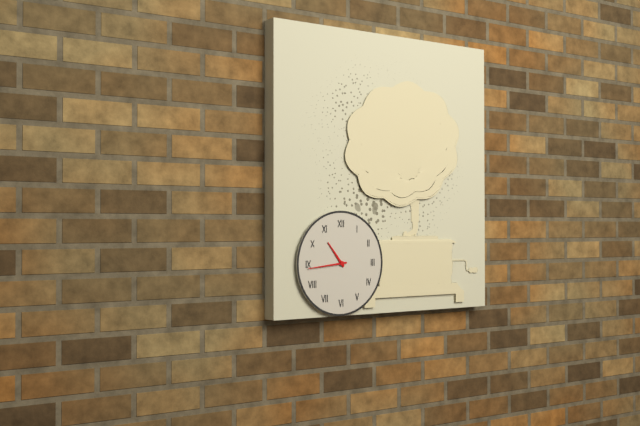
10:44
